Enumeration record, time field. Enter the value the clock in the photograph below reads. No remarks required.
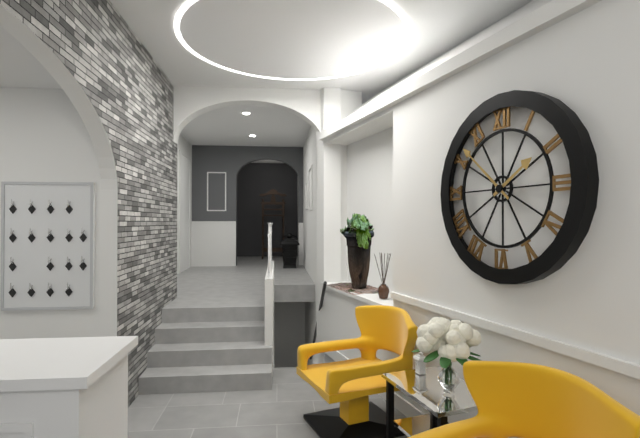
1:52
